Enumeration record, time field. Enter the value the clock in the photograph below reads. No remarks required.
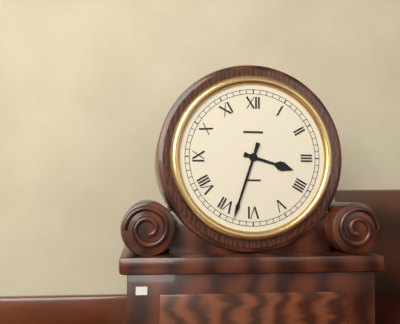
3:33
